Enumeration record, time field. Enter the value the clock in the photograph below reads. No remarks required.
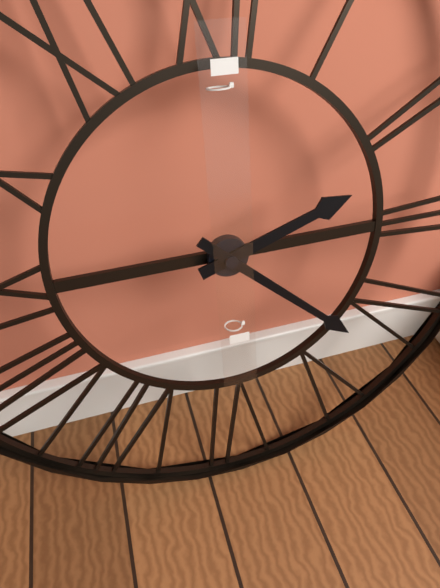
2:22
